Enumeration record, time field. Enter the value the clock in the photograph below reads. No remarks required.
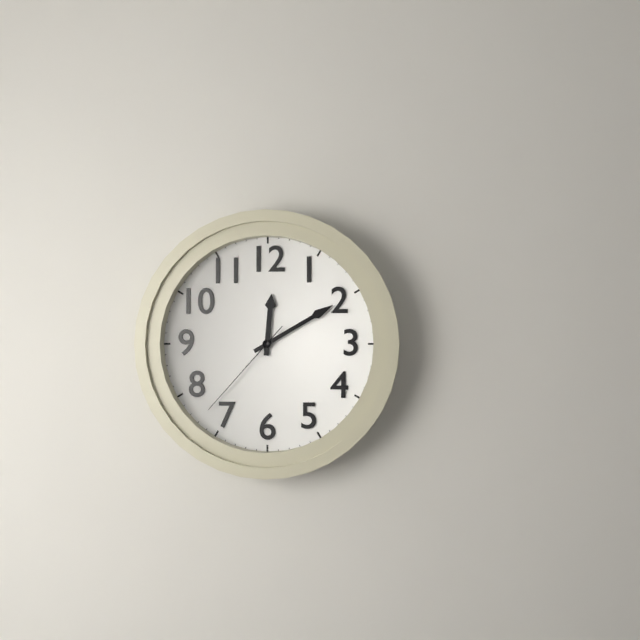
12:10:37
